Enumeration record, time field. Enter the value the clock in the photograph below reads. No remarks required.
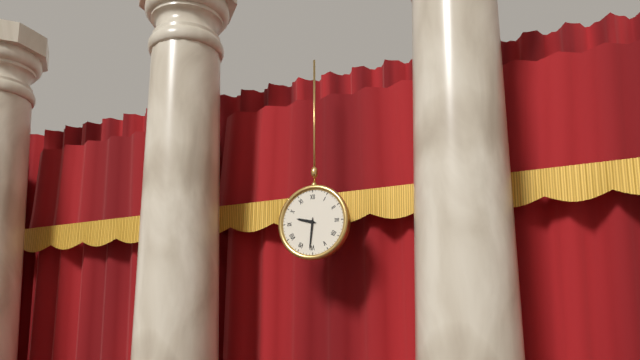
9:31
